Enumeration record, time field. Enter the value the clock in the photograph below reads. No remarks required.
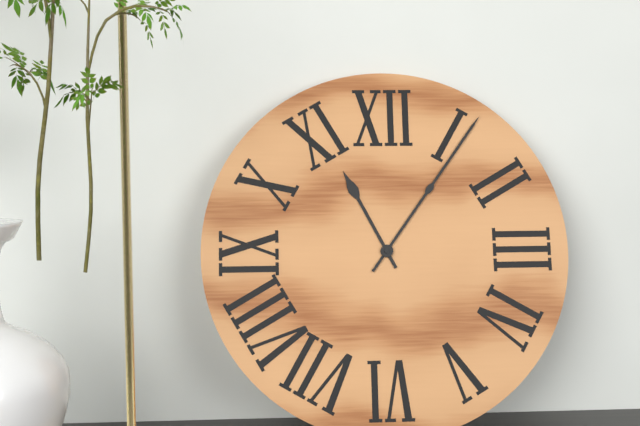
11:06
